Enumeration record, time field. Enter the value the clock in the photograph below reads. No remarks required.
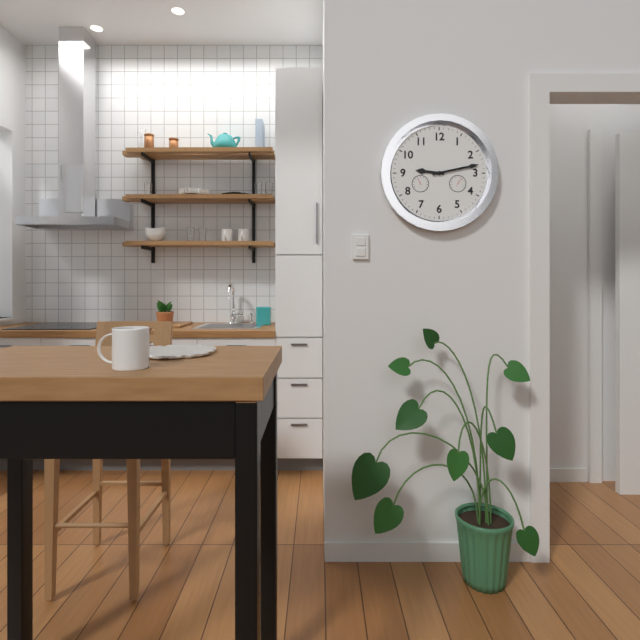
9:13
